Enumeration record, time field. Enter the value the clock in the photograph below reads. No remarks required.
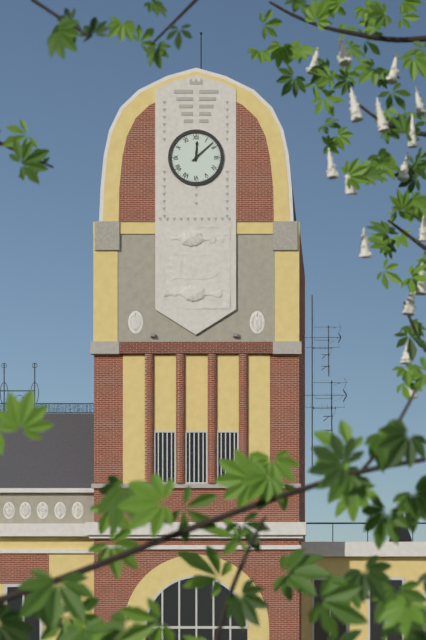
12:08
